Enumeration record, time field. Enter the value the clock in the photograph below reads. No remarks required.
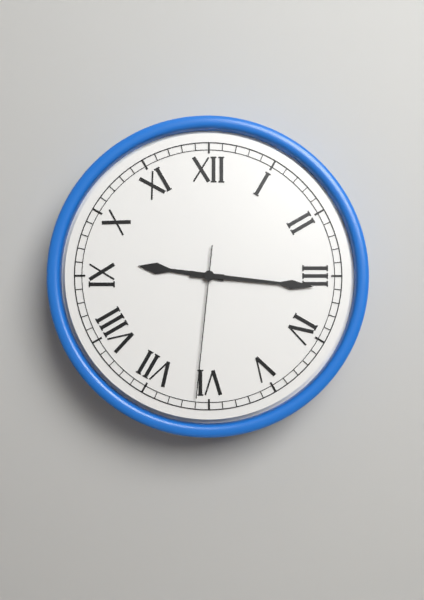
9:16:31
